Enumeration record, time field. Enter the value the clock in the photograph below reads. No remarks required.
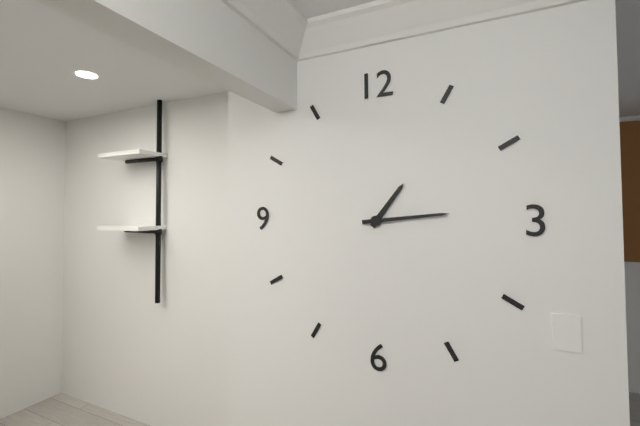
1:14
